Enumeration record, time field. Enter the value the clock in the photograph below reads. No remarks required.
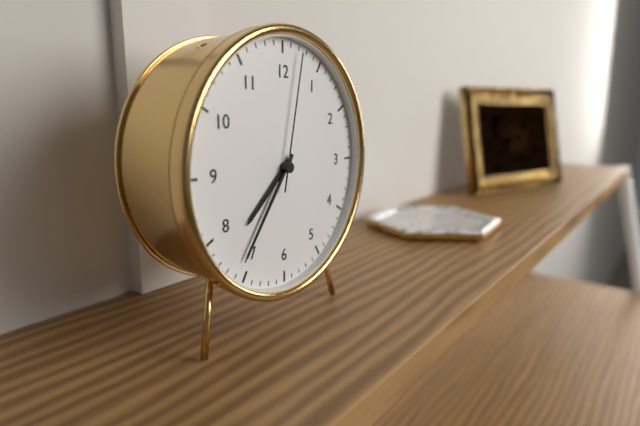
7:36:02
